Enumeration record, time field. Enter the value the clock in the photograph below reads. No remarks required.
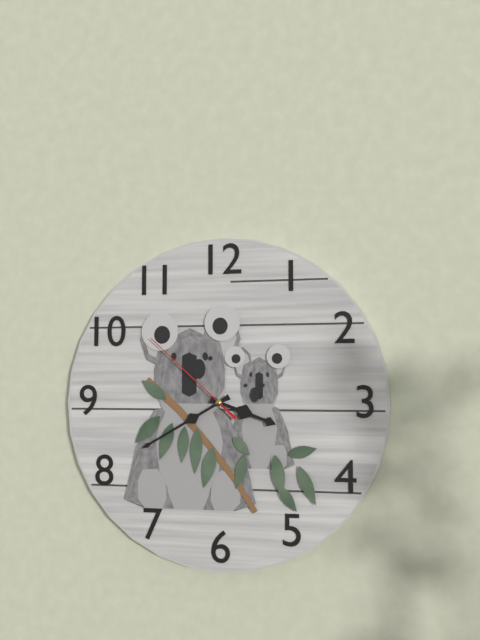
3:40:52
